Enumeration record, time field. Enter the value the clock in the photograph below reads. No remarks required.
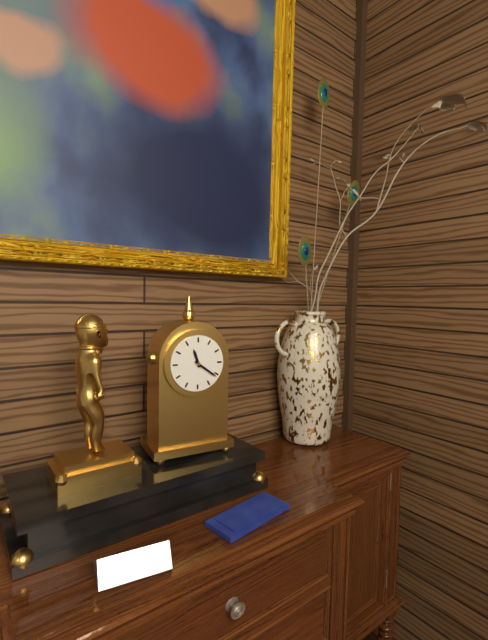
11:21
